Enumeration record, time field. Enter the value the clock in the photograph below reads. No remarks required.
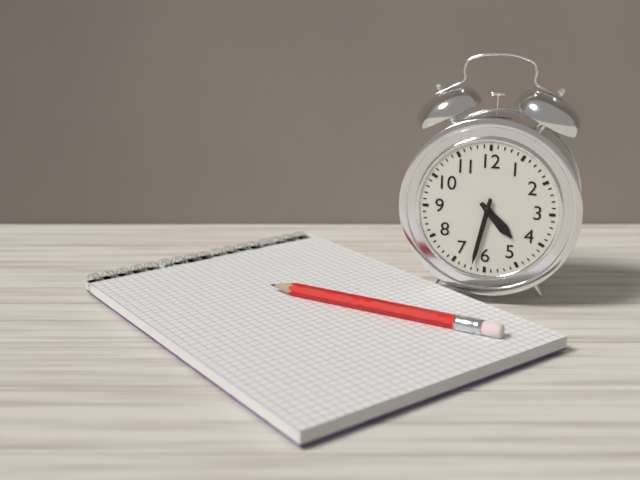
4:32
